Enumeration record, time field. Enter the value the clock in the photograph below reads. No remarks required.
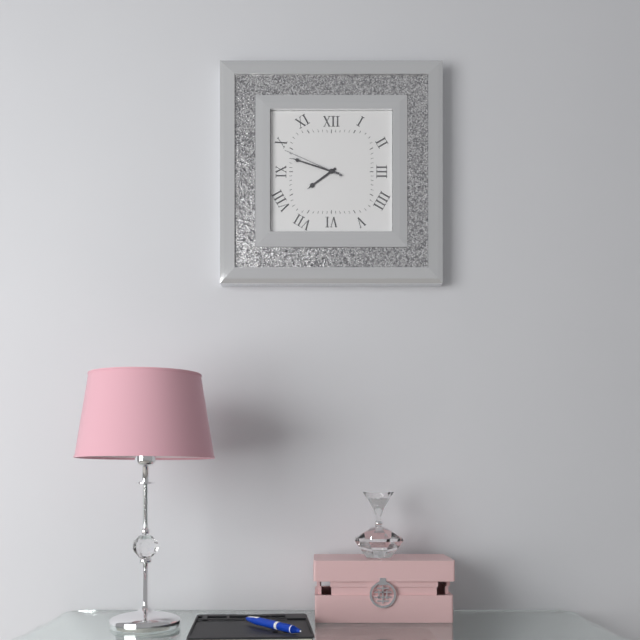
7:48:49
